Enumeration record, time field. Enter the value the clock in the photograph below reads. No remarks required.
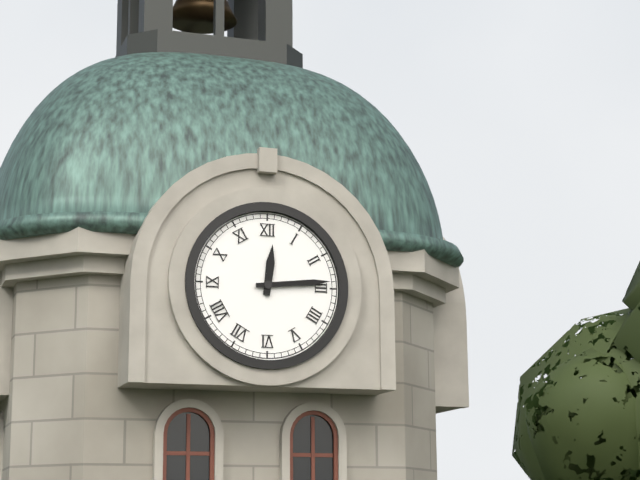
12:14
